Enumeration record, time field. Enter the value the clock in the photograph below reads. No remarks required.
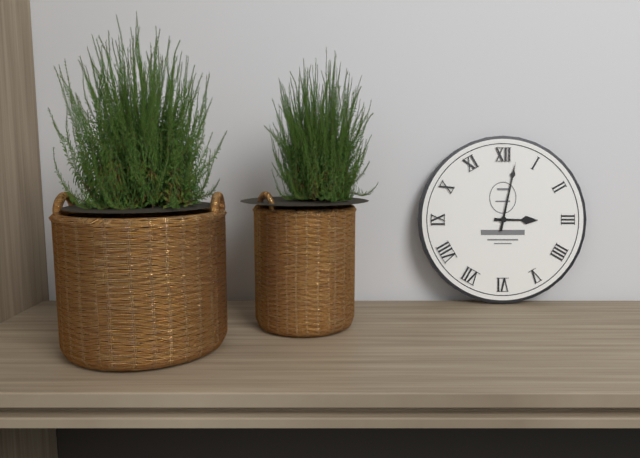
3:02
